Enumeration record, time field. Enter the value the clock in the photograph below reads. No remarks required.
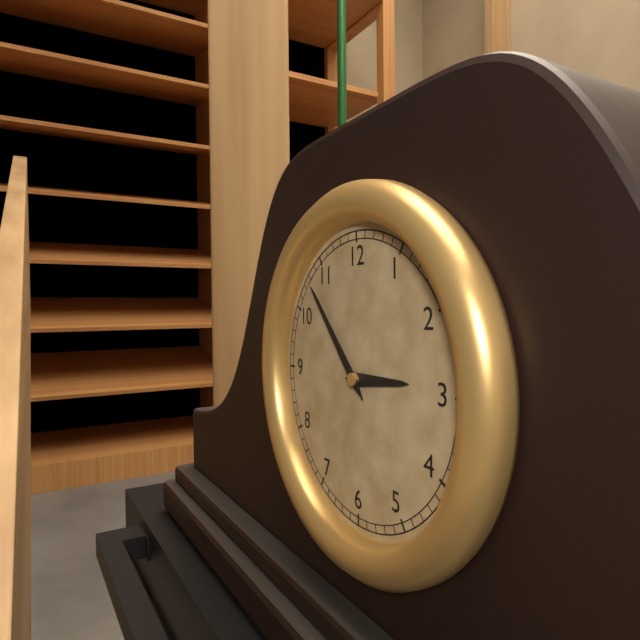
2:53
